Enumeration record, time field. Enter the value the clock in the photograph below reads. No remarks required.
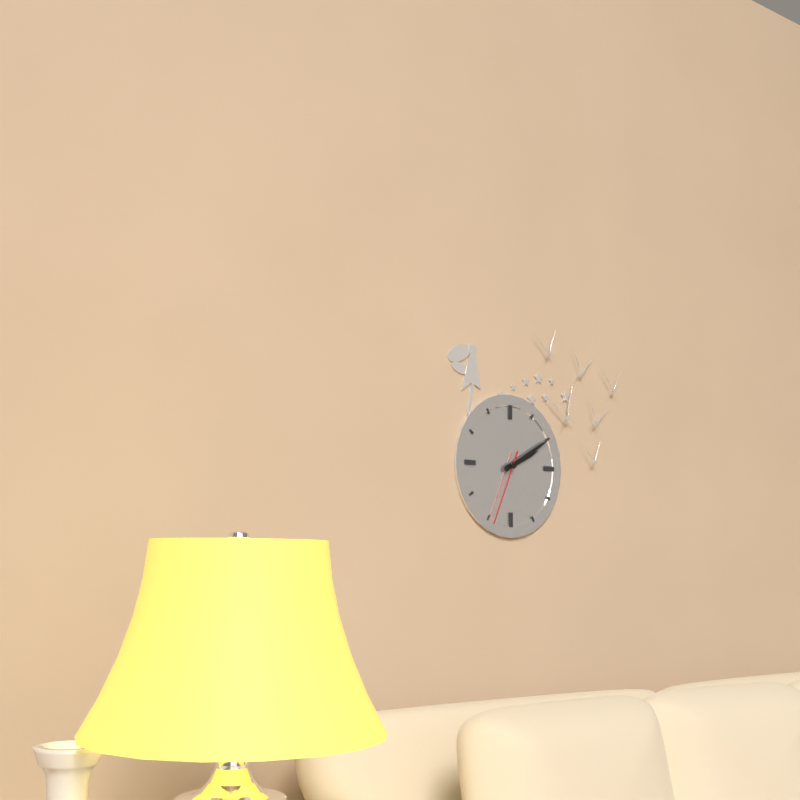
2:10:34
